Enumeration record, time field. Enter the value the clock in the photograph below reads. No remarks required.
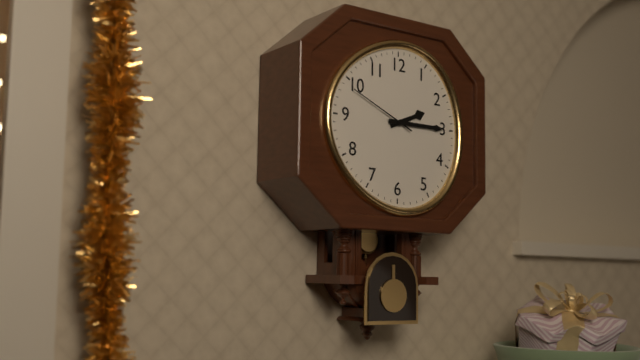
2:15:49
